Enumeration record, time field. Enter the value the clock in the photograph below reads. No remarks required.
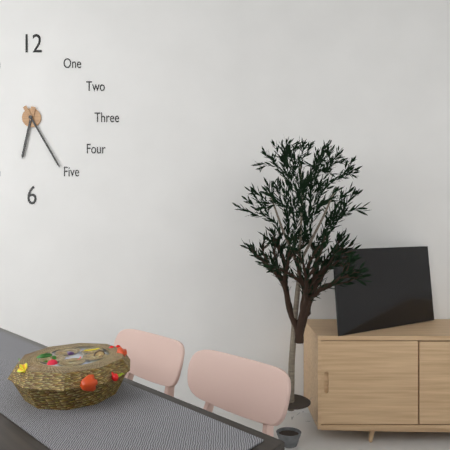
6:25
